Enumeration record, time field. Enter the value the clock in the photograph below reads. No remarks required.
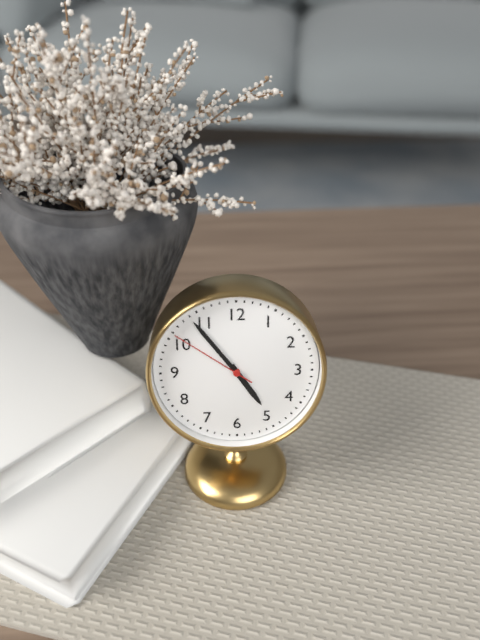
4:54:51
